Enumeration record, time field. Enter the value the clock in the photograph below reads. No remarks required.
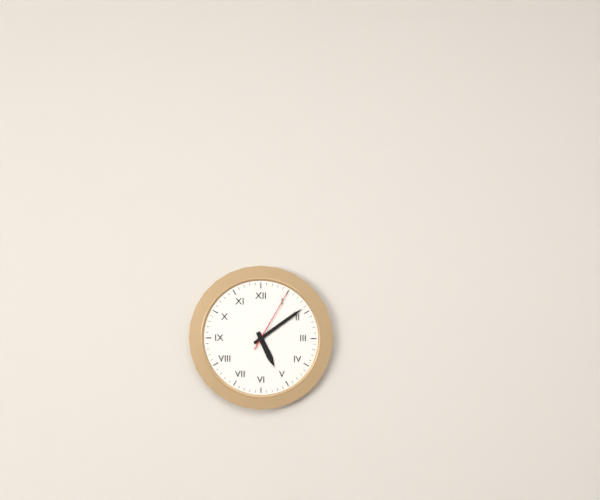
5:09:05
